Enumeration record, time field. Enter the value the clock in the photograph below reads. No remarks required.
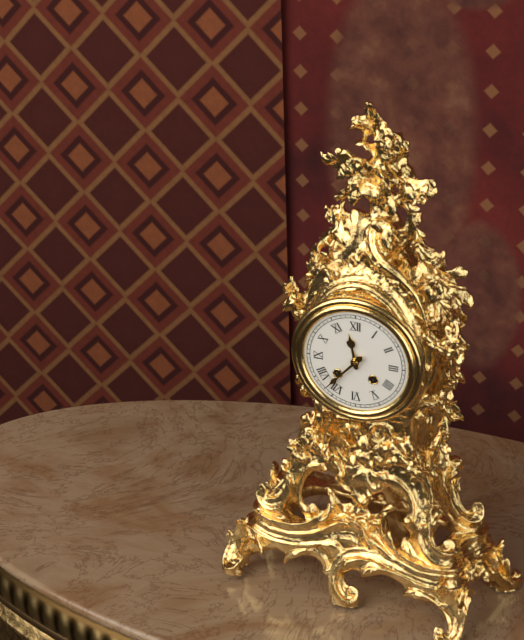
11:37
